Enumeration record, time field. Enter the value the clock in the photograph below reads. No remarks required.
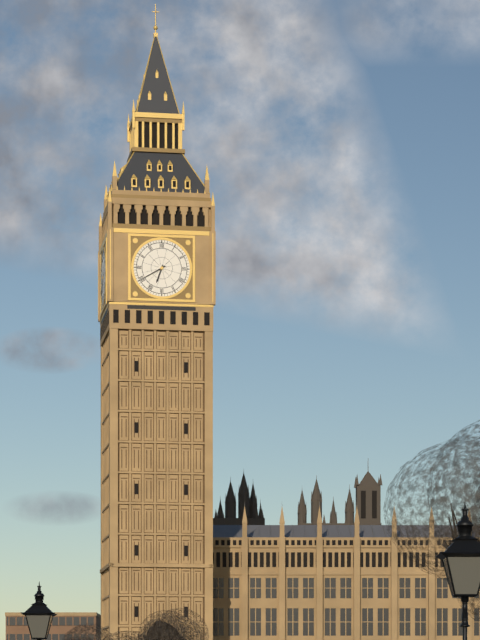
6:40
